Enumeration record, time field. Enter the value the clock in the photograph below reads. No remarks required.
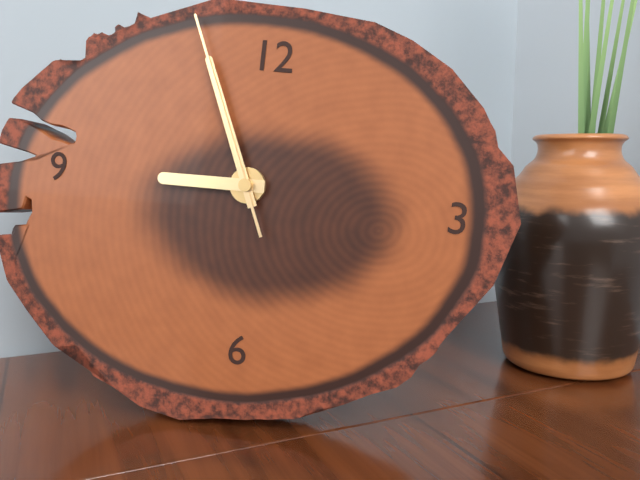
8:56:56
